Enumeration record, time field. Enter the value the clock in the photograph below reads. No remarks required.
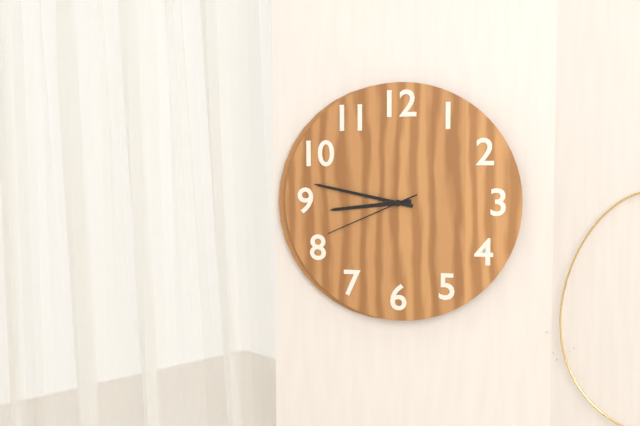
8:47:41
